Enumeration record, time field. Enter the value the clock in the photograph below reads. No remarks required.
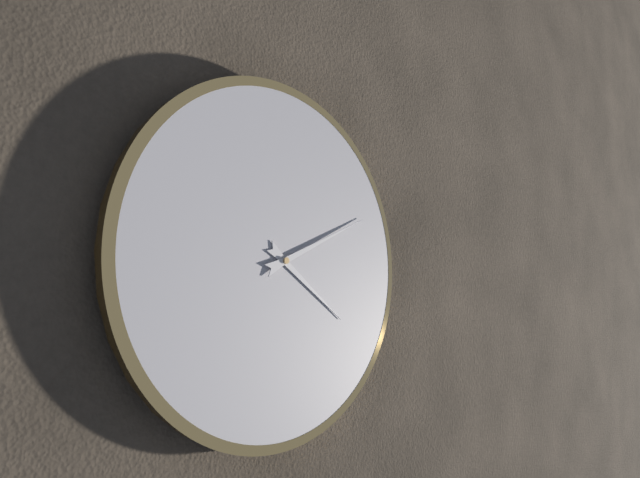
4:11
